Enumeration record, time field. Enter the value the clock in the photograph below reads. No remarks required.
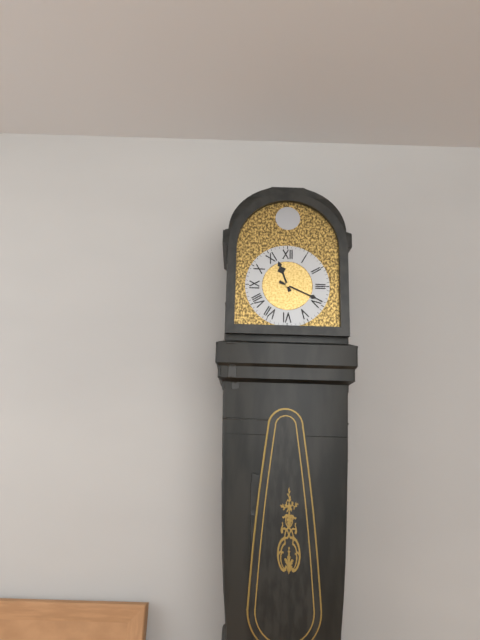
11:19
